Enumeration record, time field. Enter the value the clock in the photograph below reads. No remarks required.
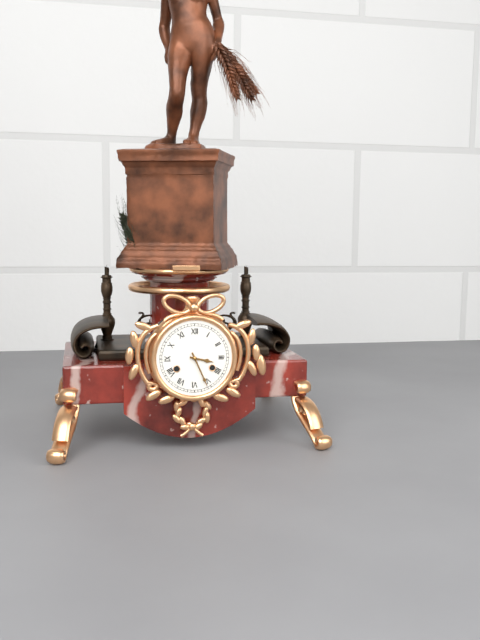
3:26
